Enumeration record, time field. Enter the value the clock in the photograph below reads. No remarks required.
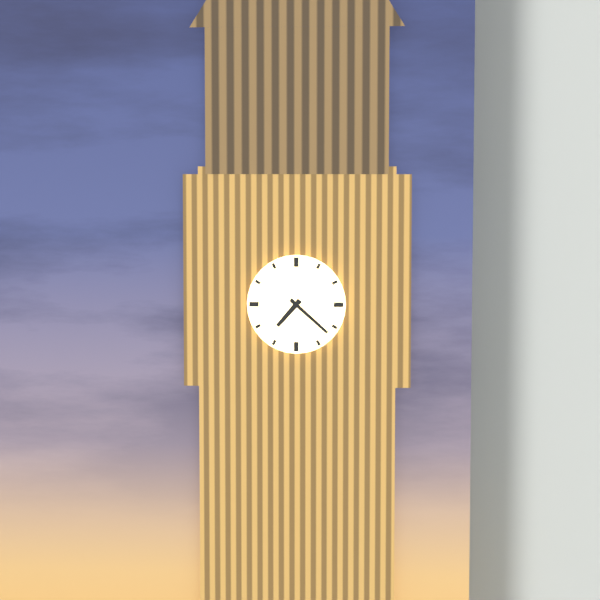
7:22
